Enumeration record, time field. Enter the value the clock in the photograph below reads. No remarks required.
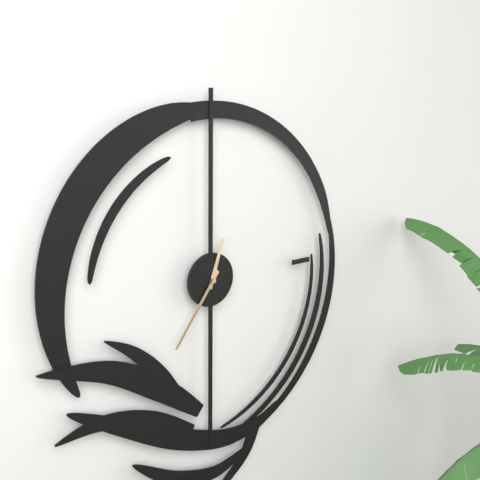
12:36
